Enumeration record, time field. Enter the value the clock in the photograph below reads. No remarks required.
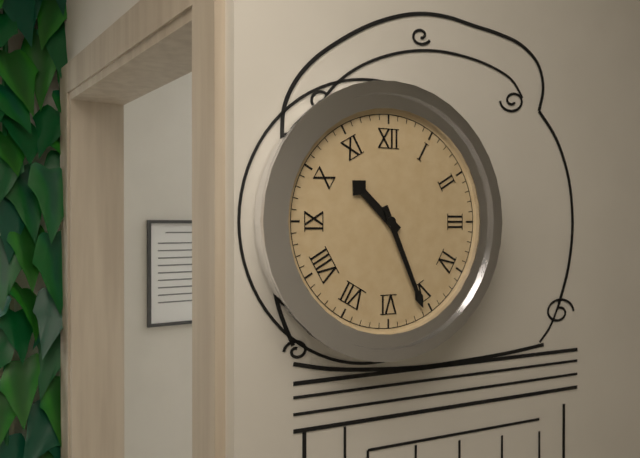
10:26
